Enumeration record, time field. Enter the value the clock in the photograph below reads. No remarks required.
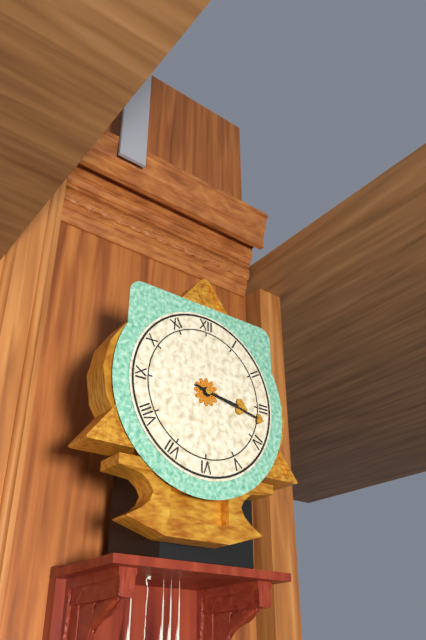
3:17
